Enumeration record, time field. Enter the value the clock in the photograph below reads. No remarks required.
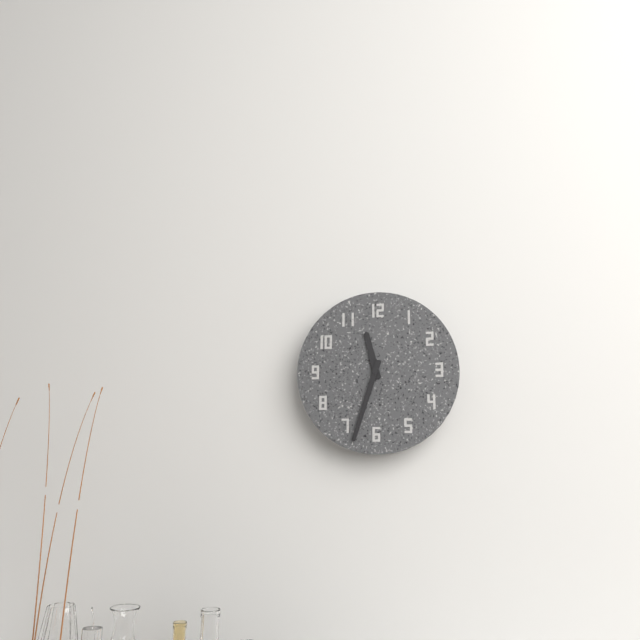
11:33
